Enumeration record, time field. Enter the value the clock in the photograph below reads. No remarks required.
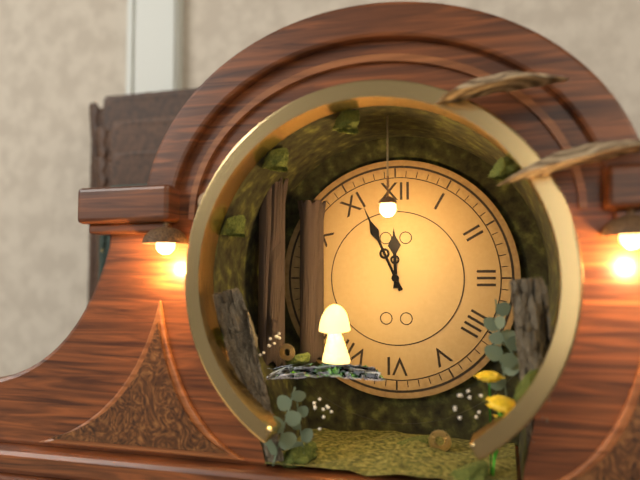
11:56
